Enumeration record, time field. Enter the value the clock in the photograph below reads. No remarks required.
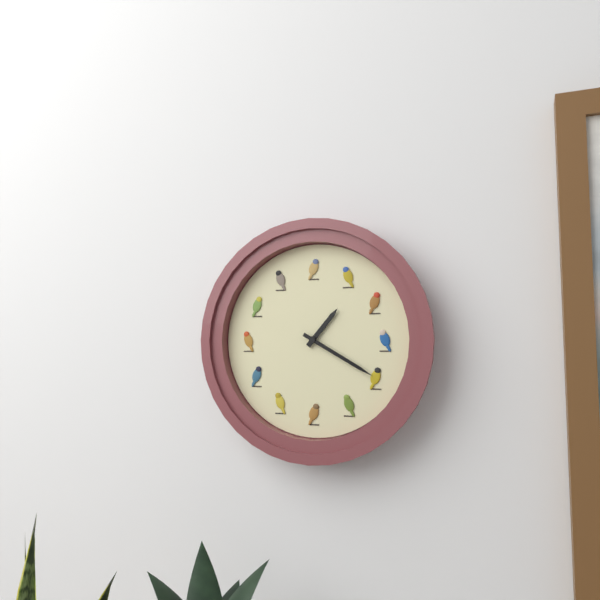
1:20
